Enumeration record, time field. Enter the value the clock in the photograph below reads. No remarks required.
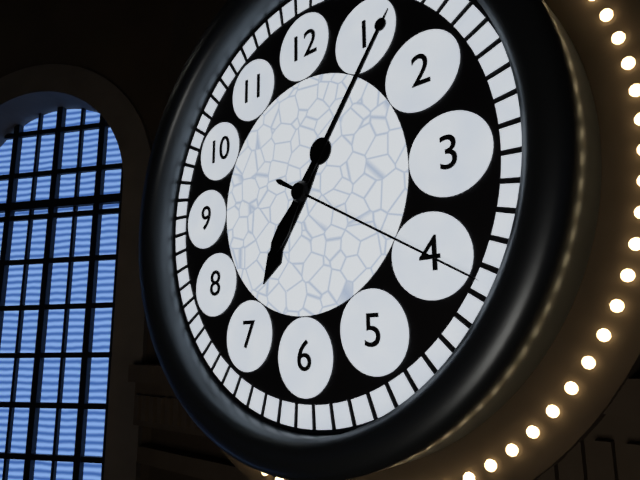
7:06:20
